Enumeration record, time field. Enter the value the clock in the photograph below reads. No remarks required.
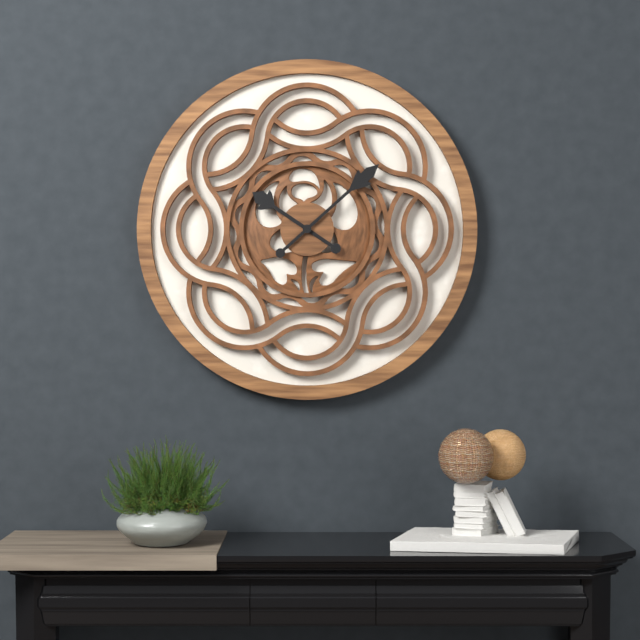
10:08
